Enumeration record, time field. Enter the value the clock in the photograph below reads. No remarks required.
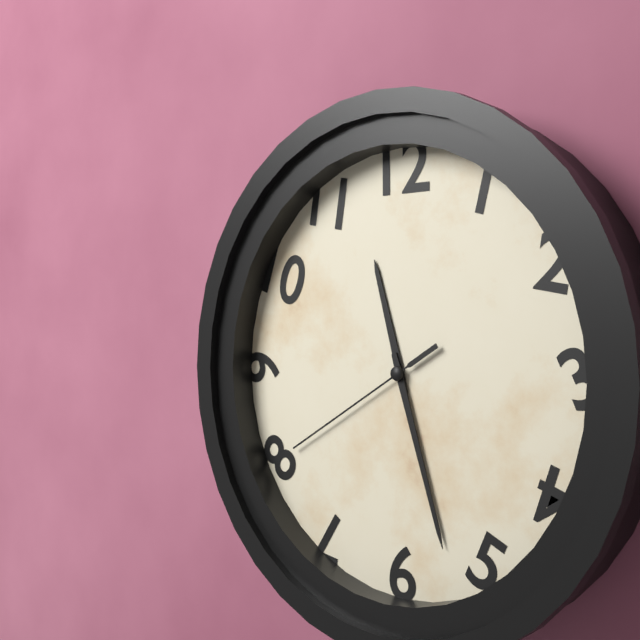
11:27:40
